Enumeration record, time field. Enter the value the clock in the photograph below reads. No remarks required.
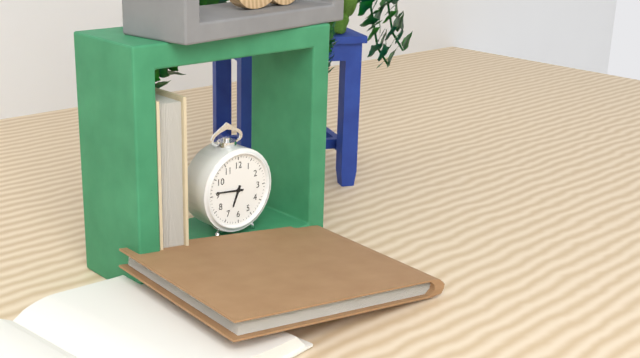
6:46
